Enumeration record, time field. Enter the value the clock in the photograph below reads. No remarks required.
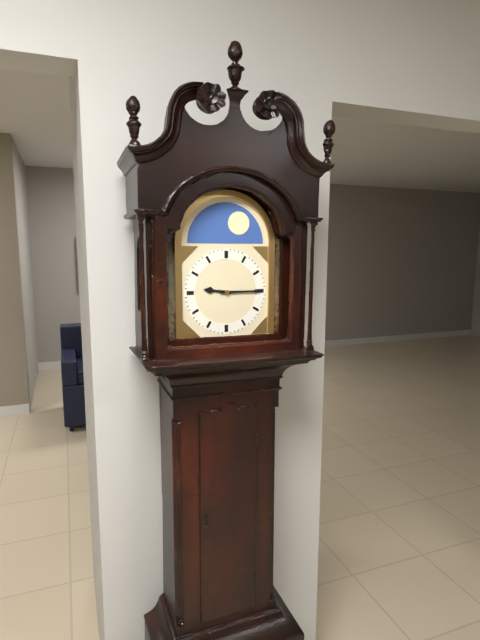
9:15
